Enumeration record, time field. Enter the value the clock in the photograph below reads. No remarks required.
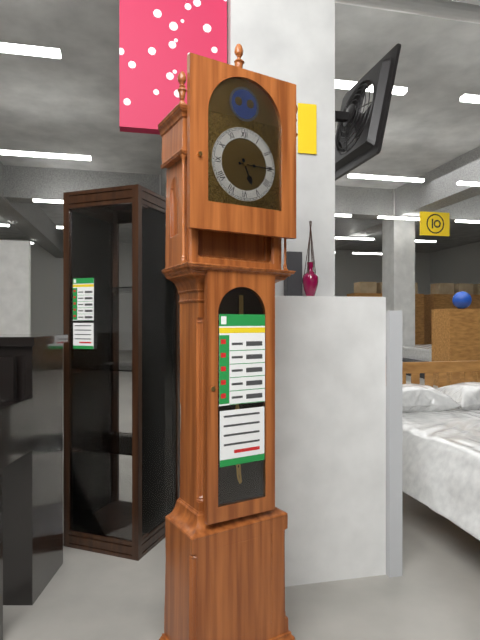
5:15
